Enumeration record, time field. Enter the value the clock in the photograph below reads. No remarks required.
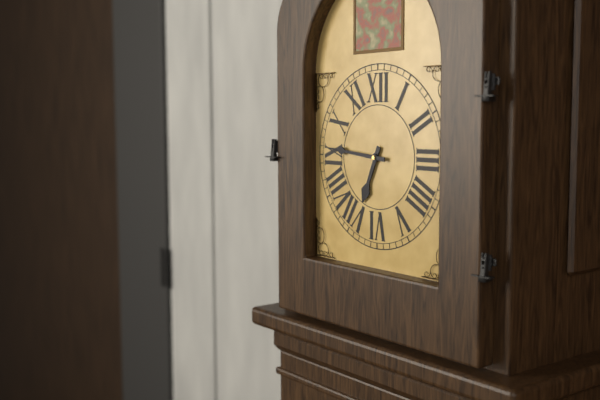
6:46
